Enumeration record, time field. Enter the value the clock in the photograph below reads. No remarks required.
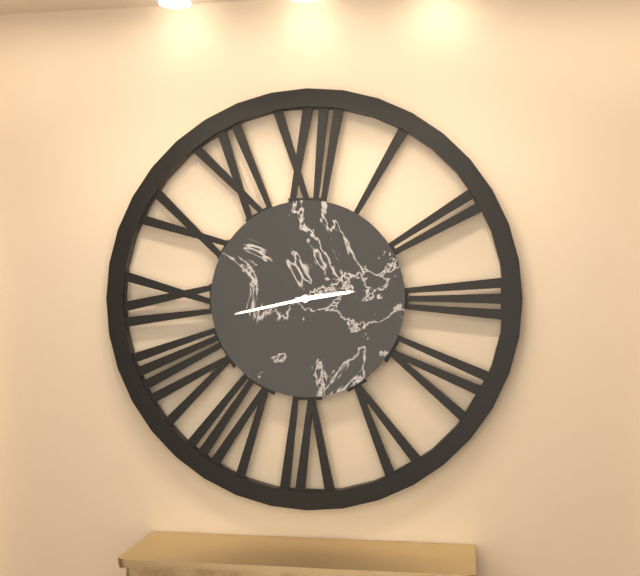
2:43
